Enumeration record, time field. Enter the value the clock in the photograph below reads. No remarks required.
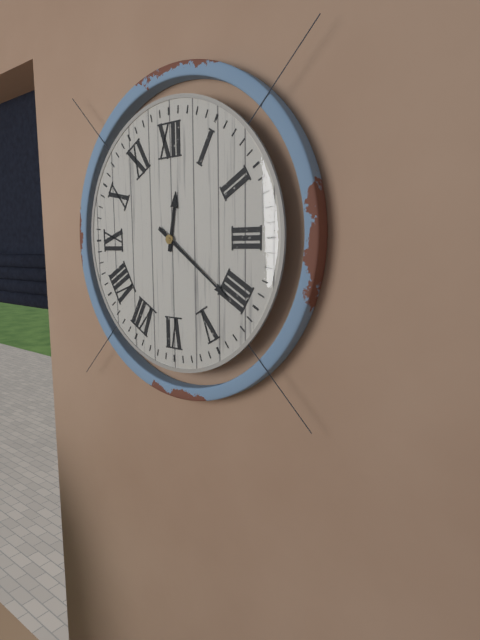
12:21
